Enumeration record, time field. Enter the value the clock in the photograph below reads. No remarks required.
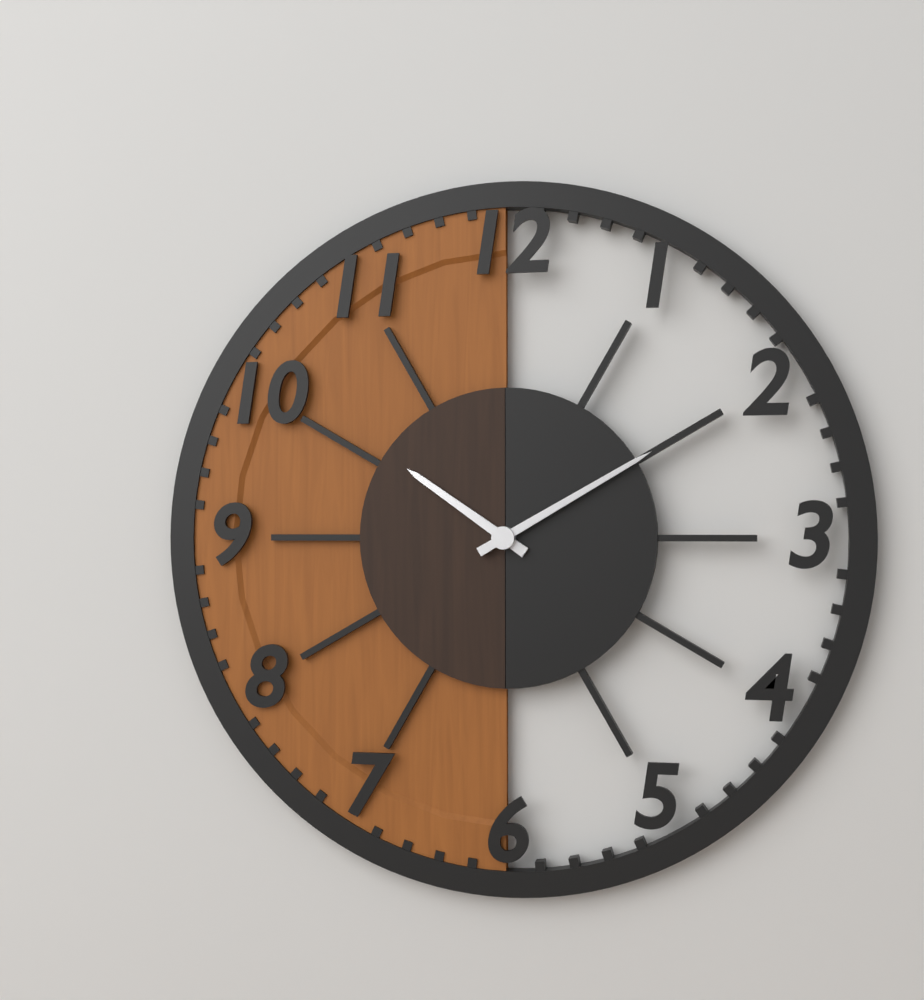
10:10
